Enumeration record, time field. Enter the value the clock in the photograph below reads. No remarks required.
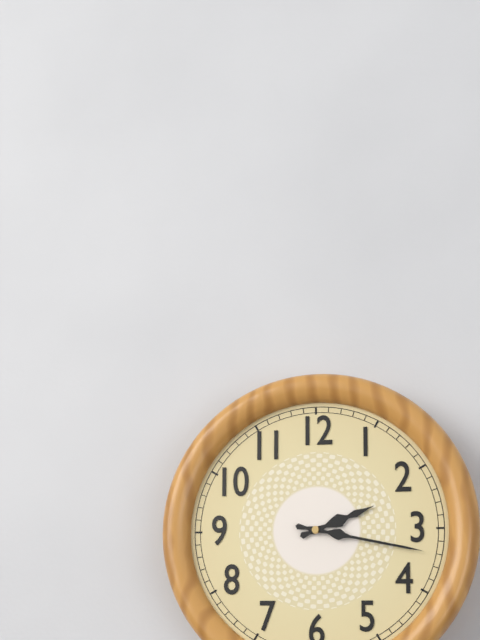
2:17
